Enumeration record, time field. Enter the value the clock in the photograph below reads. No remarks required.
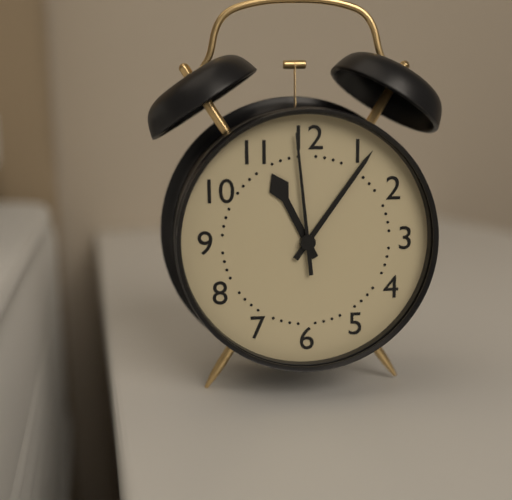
11:06:59
